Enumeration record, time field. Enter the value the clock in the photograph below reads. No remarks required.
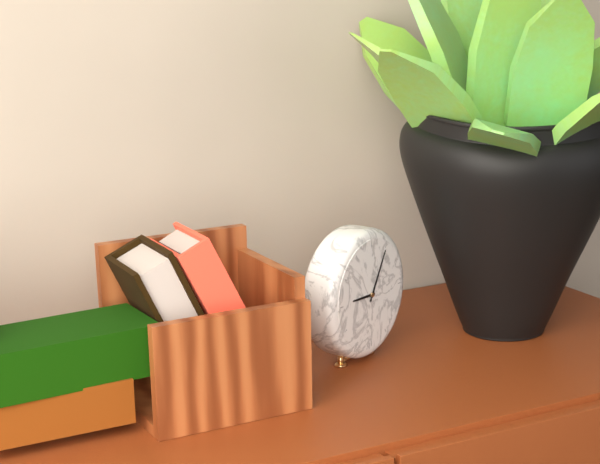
9:05
